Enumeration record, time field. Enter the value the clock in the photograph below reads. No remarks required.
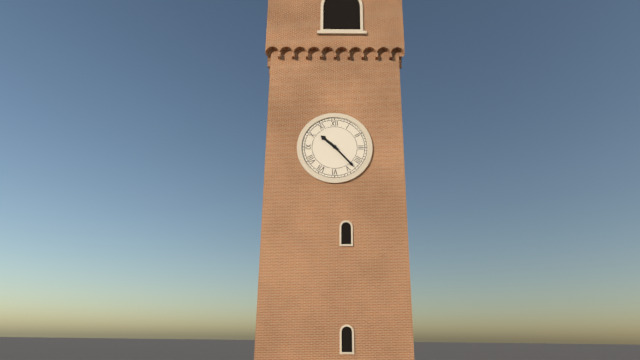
10:23
